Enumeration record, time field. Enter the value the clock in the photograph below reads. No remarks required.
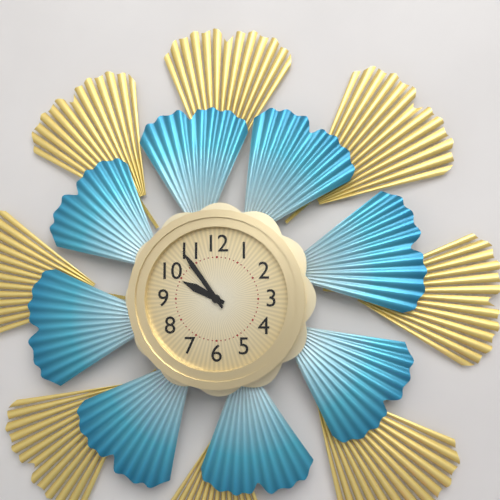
9:54
